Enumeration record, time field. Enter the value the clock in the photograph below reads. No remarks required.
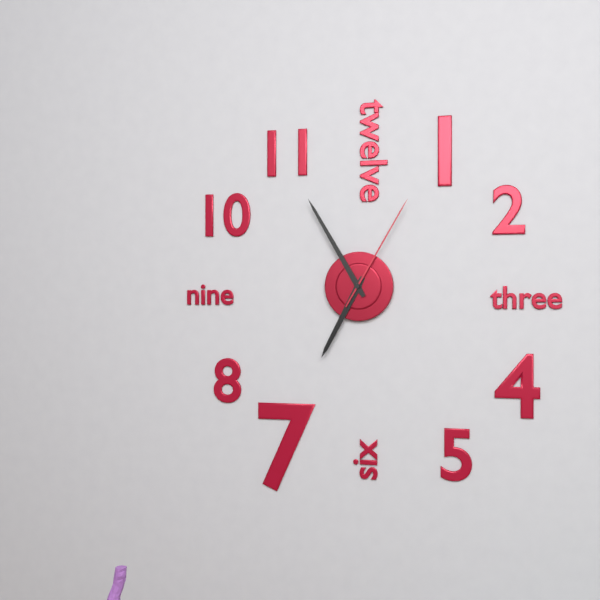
6:55:05
